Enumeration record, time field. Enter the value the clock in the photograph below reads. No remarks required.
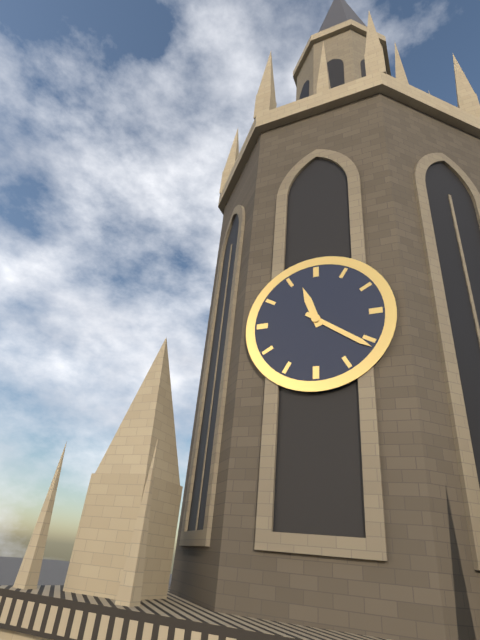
11:21
